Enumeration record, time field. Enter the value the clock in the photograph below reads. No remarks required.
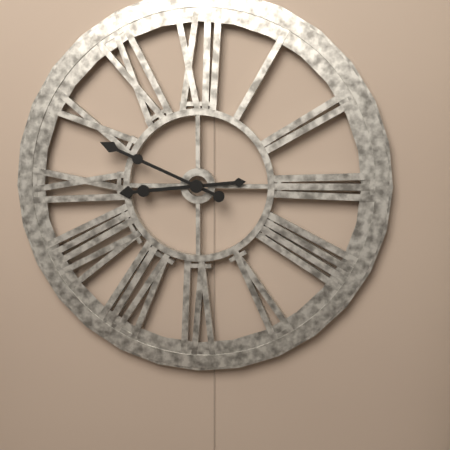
8:49
